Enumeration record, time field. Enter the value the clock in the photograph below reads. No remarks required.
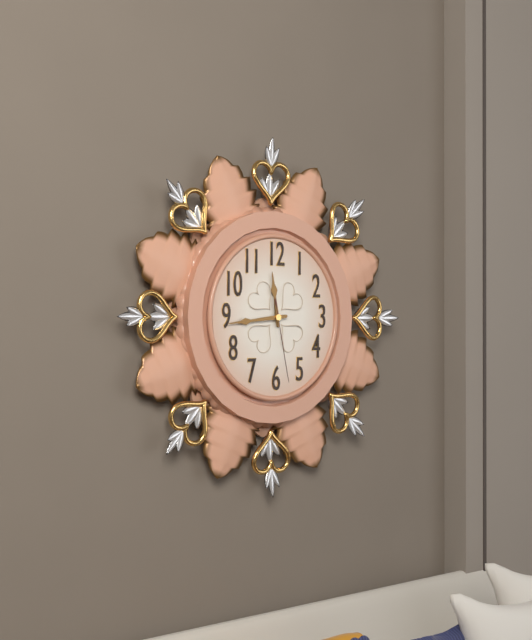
11:44:28
